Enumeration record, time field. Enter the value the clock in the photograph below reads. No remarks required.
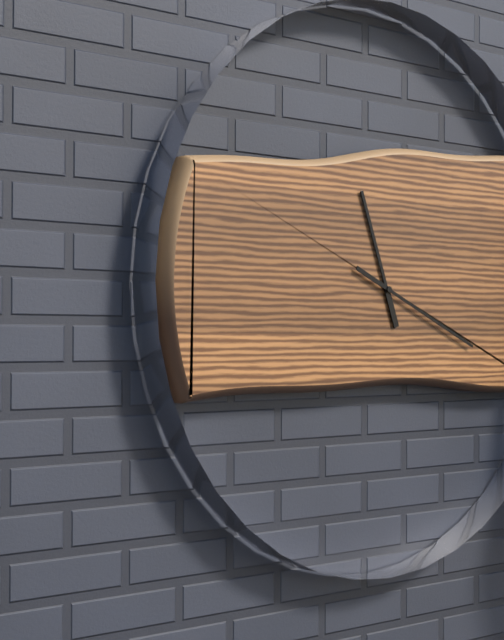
11:19
